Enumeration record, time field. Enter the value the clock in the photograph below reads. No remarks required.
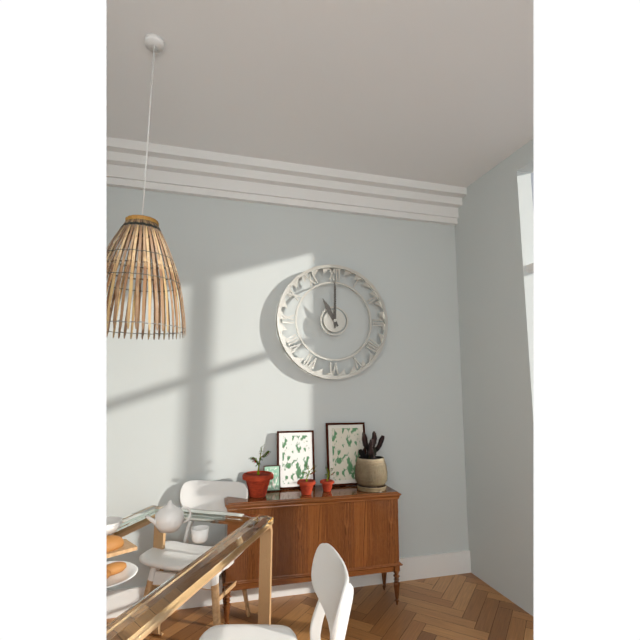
11:00
